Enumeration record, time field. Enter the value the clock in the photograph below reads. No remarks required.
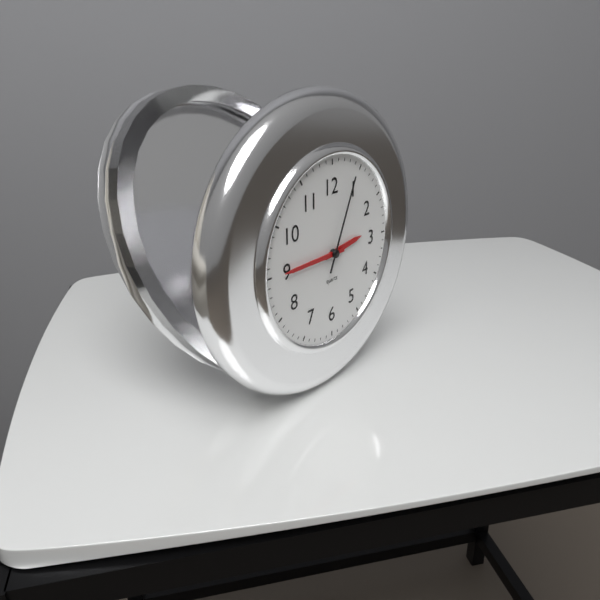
2:45:04
